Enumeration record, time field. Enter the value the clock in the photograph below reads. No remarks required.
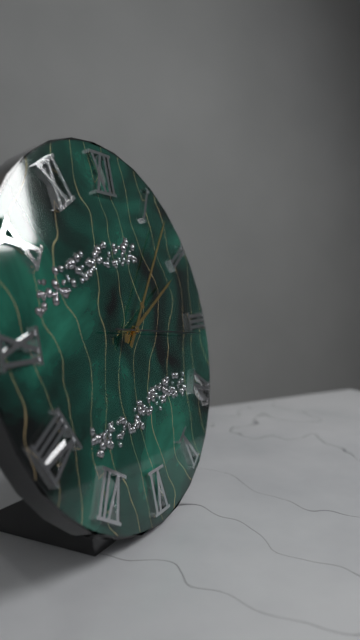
2:07:16
